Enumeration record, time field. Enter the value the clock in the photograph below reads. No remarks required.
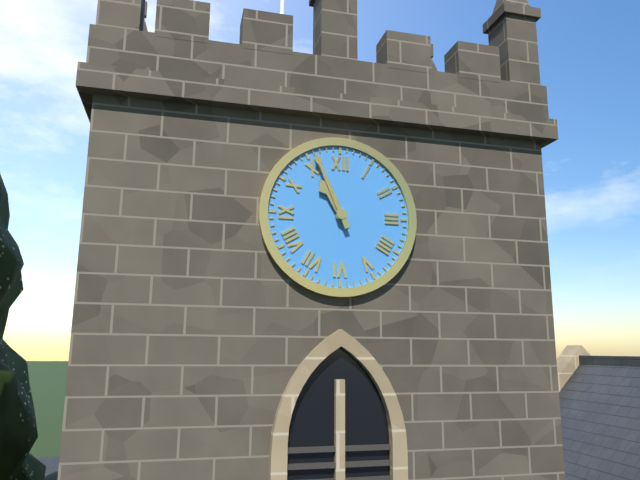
10:56
